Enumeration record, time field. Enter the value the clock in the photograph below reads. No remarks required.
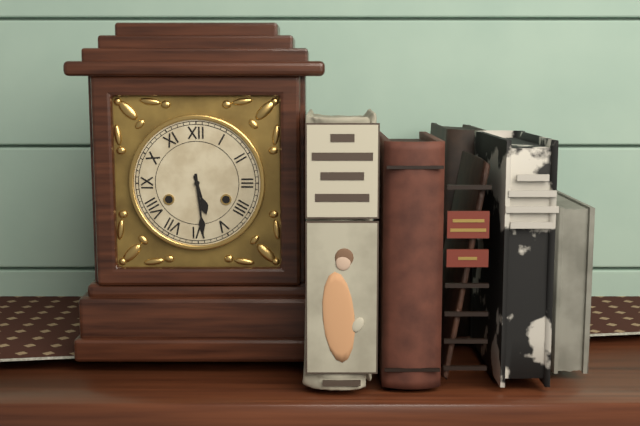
5:29
